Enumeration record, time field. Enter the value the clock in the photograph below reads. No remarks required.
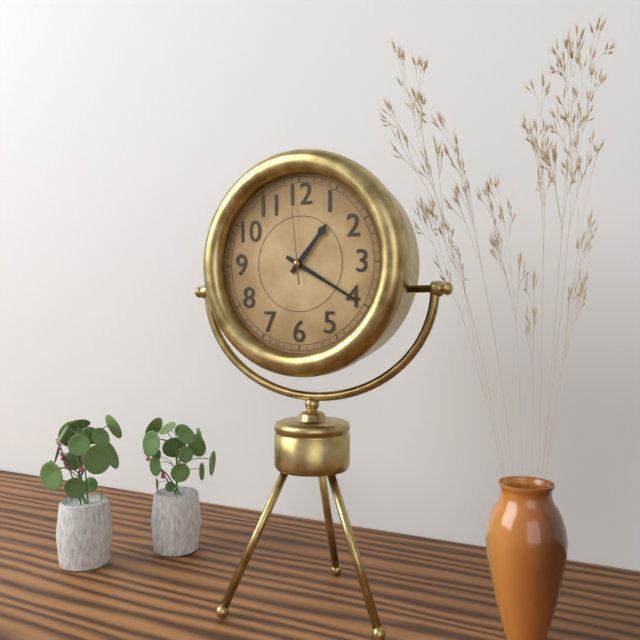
1:20:59
